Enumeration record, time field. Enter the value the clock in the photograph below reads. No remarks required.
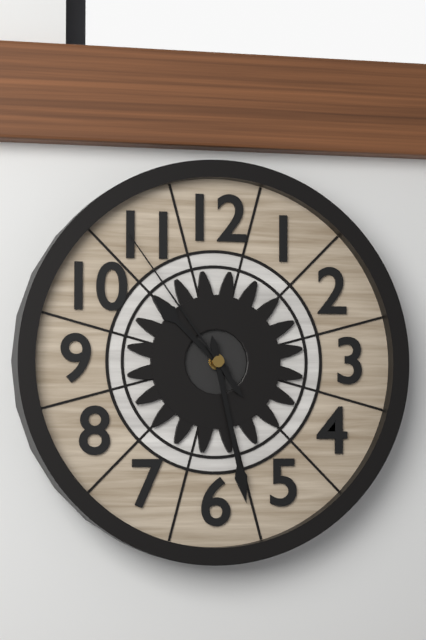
10:28:54
